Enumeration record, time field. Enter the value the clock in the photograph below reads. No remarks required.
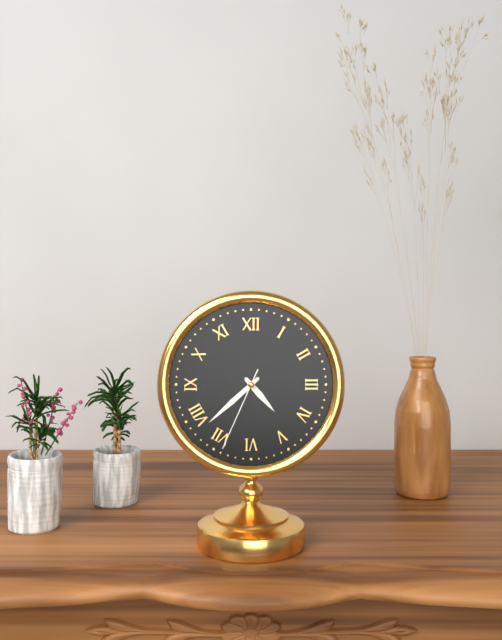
4:38:34
